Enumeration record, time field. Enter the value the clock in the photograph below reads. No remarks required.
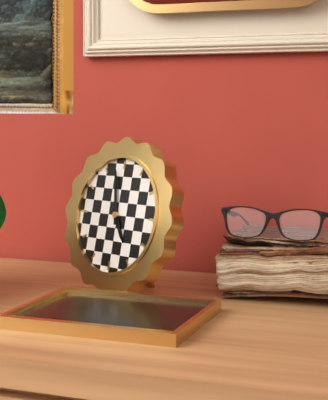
4:58
